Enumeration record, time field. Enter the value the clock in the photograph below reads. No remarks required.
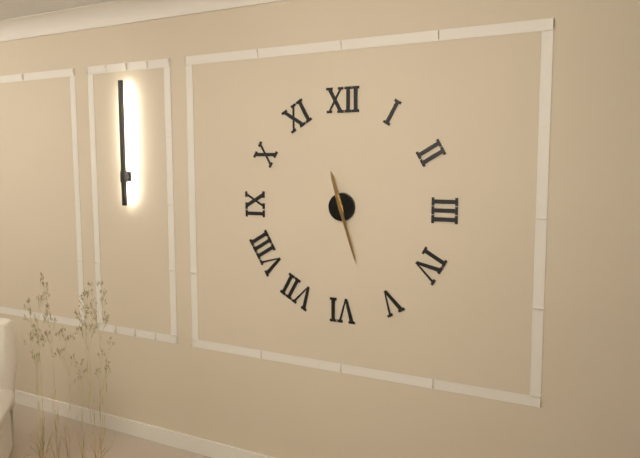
11:27
